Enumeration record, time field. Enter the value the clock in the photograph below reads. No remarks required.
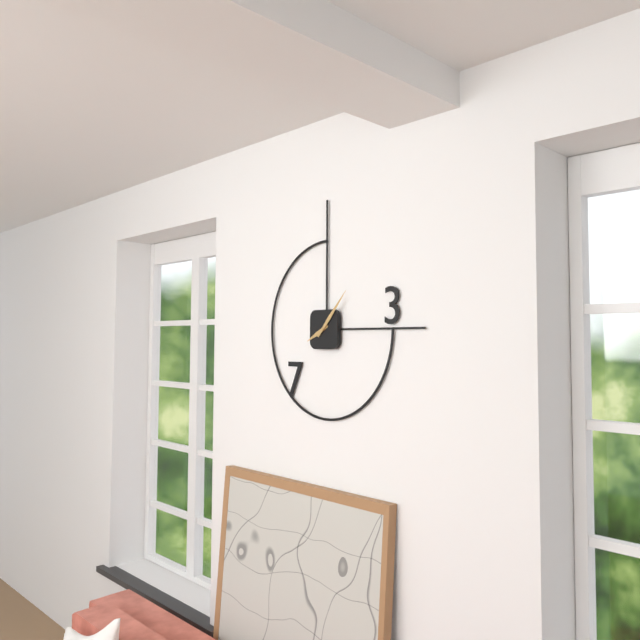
8:07
